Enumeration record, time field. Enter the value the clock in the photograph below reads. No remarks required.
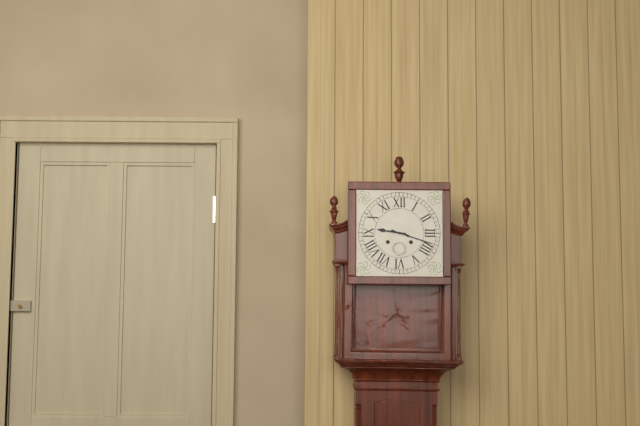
9:18
